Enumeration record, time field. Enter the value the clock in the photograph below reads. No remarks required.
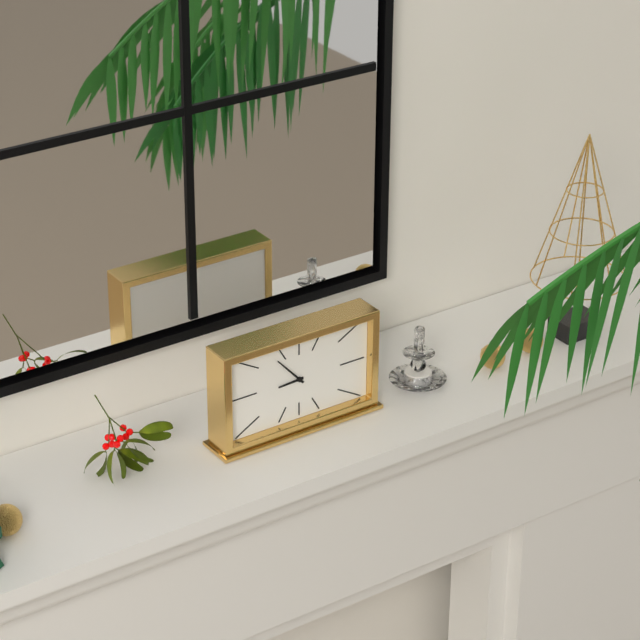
8:53
